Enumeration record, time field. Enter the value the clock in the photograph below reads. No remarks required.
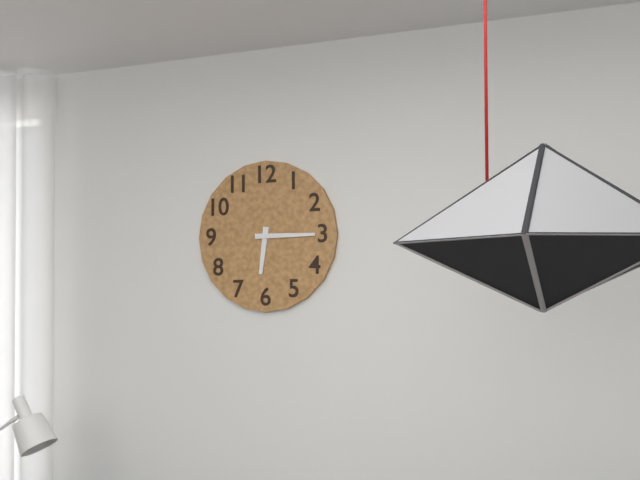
6:15
